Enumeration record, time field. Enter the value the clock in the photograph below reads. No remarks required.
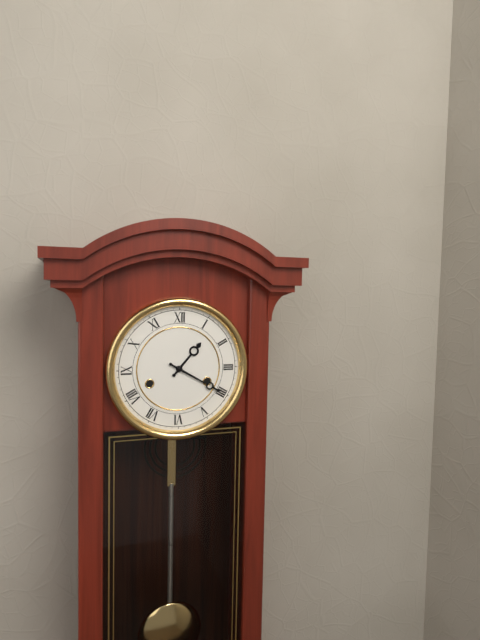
1:20
